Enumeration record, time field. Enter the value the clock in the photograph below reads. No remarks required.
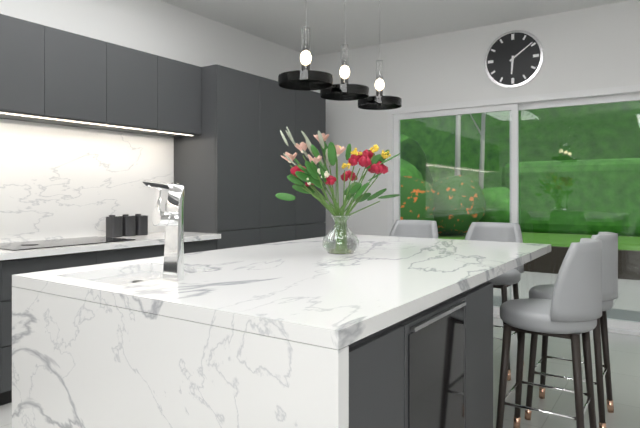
6:09
